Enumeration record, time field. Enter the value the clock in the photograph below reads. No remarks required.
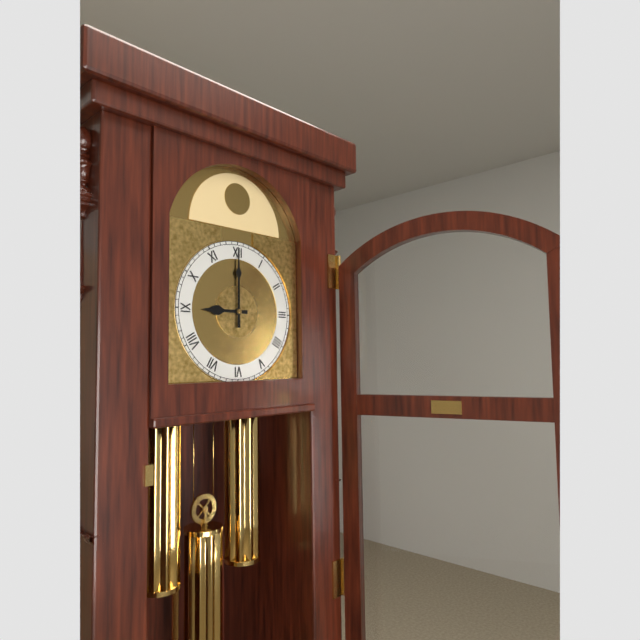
9:00
